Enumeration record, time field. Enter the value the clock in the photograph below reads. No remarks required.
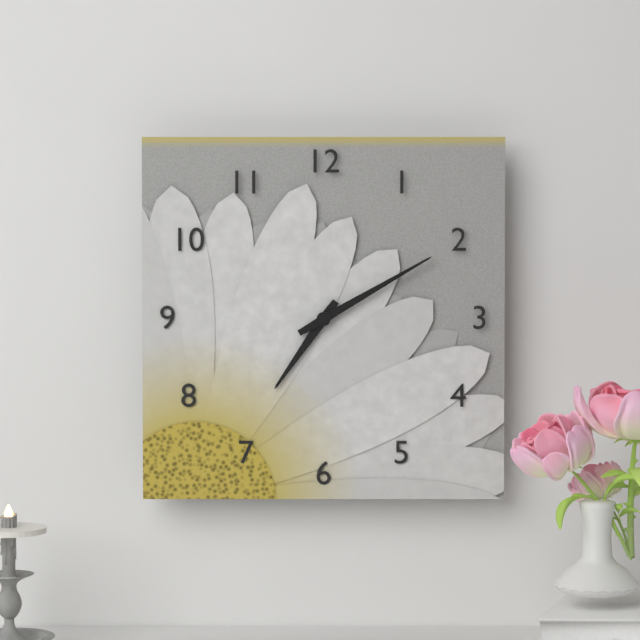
7:10
